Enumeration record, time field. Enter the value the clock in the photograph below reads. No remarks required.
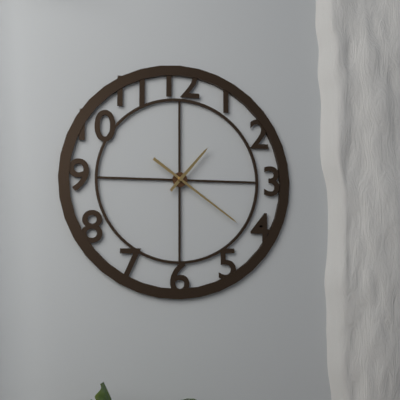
1:21
